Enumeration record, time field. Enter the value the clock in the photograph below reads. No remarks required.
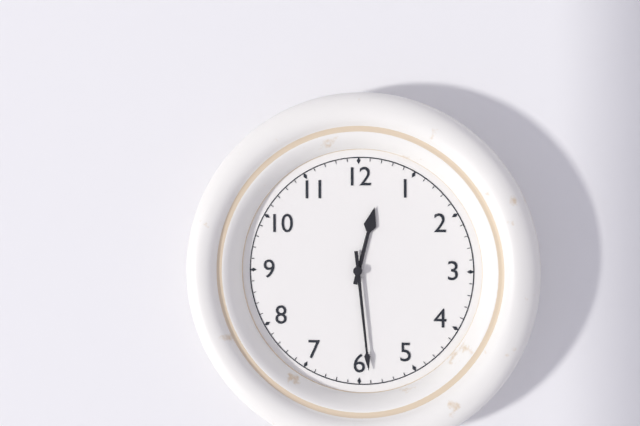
12:29
